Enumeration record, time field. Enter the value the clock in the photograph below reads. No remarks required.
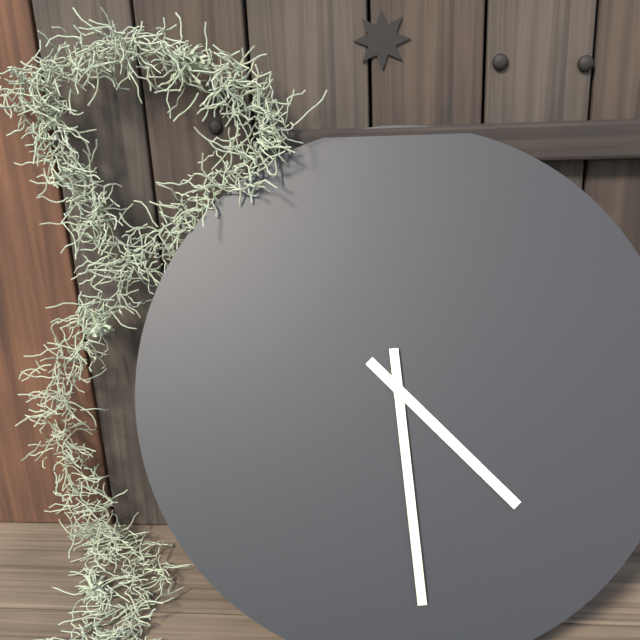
4:29
